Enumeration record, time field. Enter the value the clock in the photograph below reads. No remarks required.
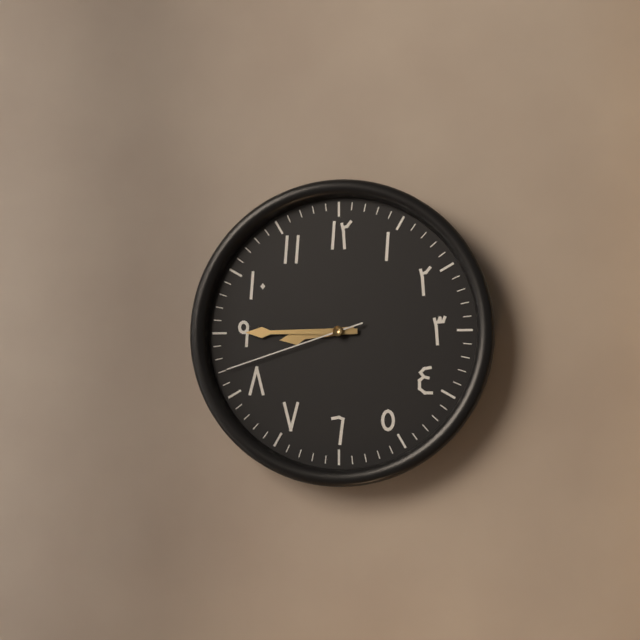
8:45:42
